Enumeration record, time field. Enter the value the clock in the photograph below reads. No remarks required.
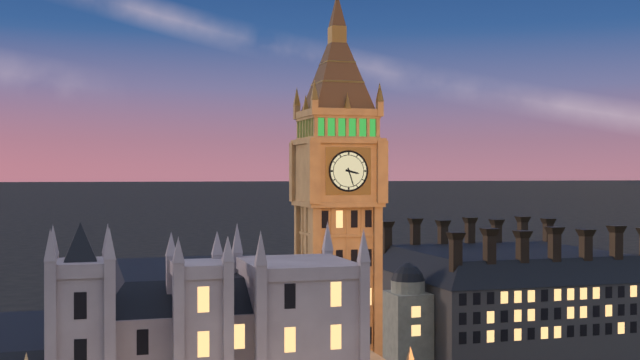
3:27
